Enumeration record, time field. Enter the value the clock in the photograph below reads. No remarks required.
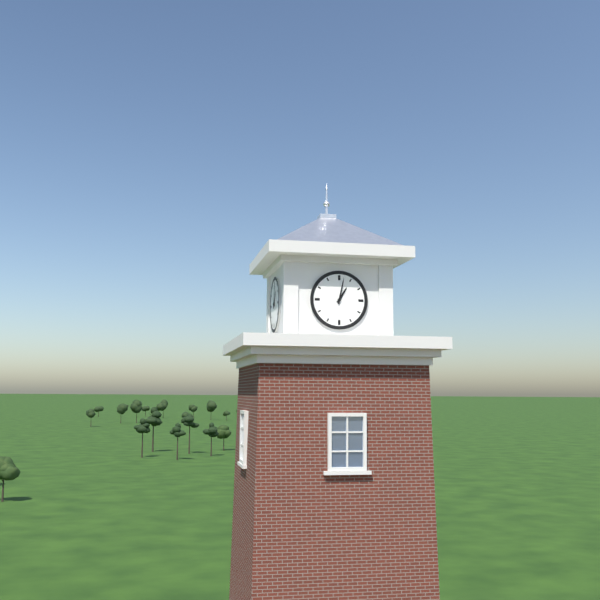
1:02
